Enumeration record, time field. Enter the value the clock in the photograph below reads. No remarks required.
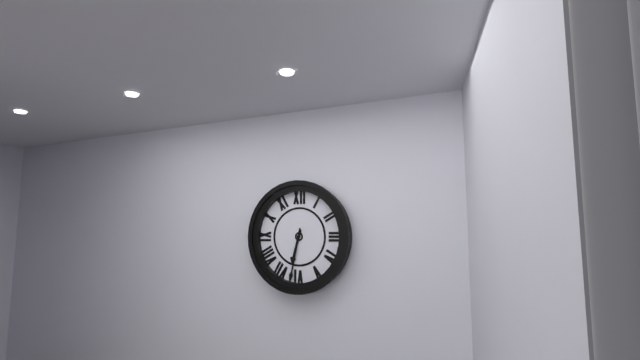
6:32
